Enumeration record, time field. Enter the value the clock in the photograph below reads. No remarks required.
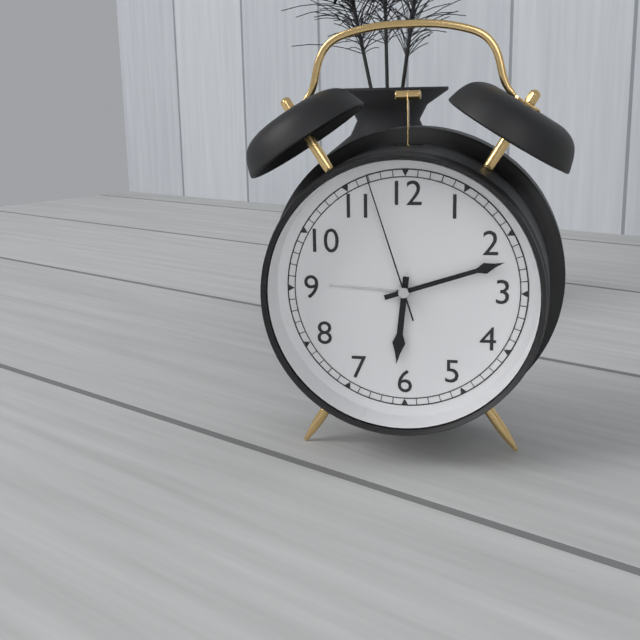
6:12:57
